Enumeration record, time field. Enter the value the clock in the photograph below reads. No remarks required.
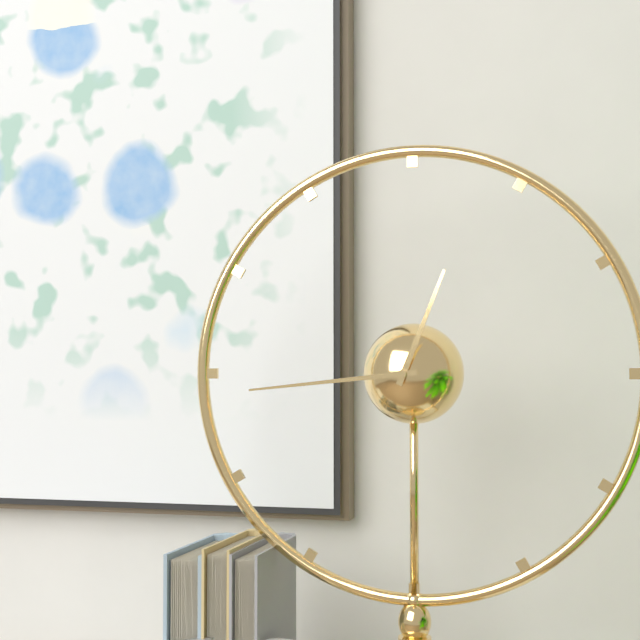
12:44
